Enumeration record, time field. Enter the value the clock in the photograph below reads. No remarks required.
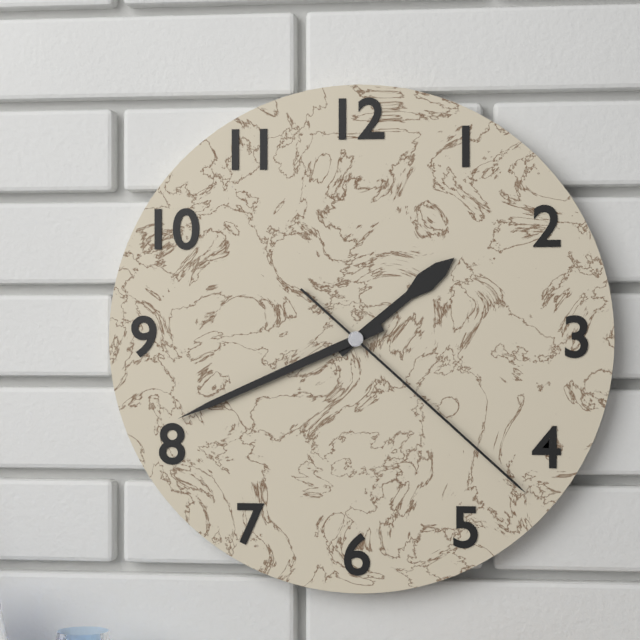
1:41:22
